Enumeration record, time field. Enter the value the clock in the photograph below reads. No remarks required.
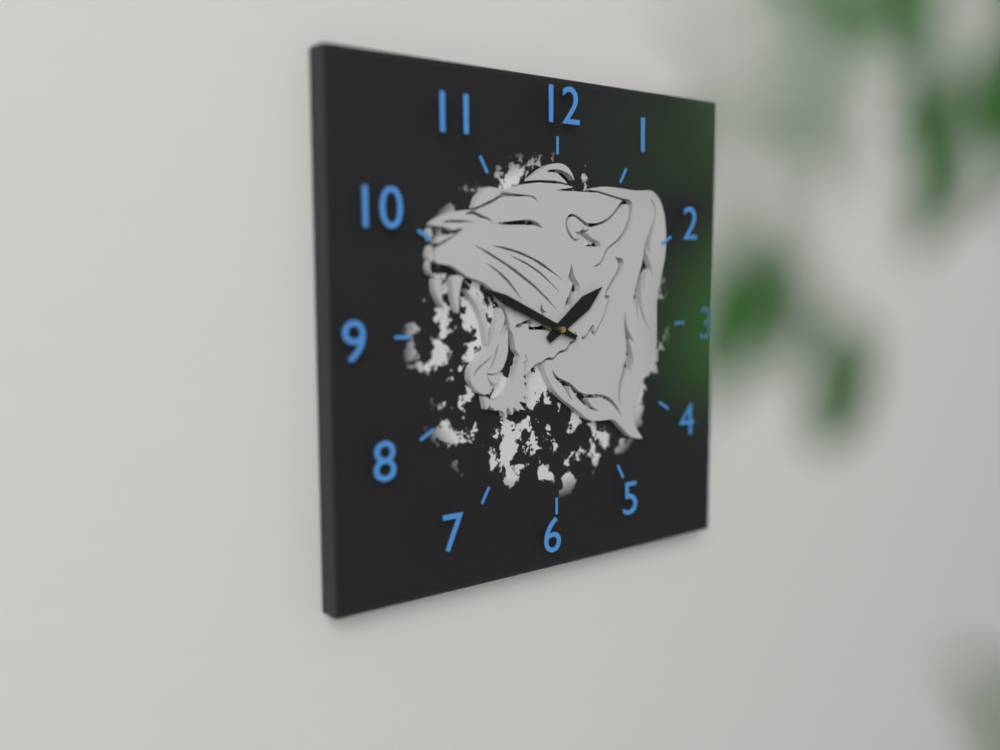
1:49
